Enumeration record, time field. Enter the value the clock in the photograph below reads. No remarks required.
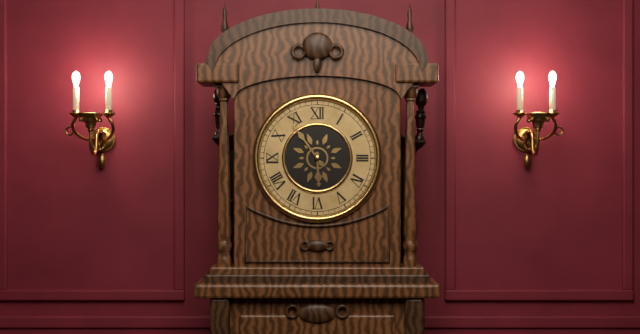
5:54
